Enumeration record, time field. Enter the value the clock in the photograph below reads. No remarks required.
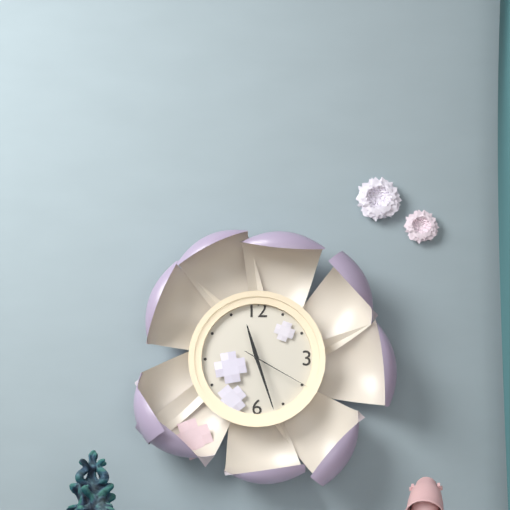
11:27:20
